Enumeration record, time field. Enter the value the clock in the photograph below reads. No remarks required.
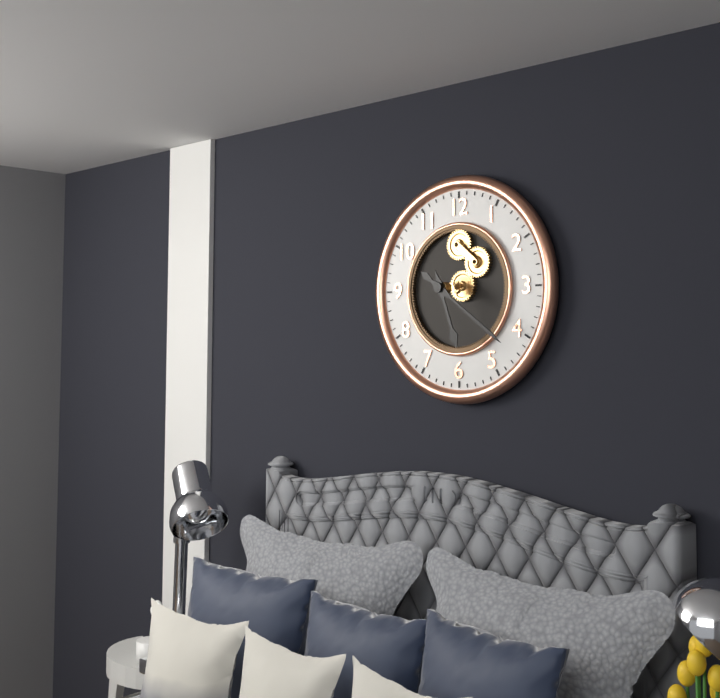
5:21
